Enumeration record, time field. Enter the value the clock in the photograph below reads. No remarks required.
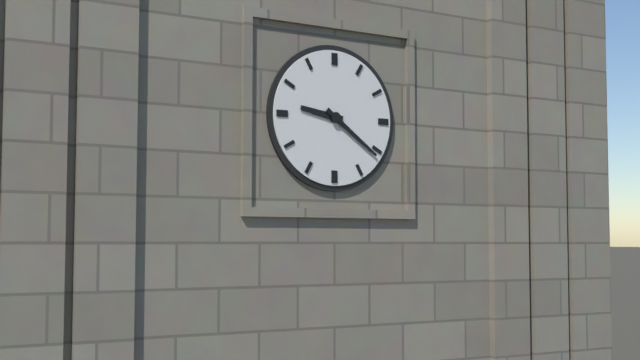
9:21
